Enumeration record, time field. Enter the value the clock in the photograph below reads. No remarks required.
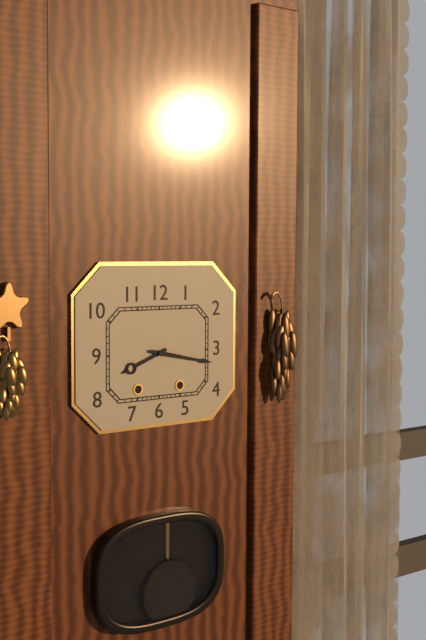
8:17
